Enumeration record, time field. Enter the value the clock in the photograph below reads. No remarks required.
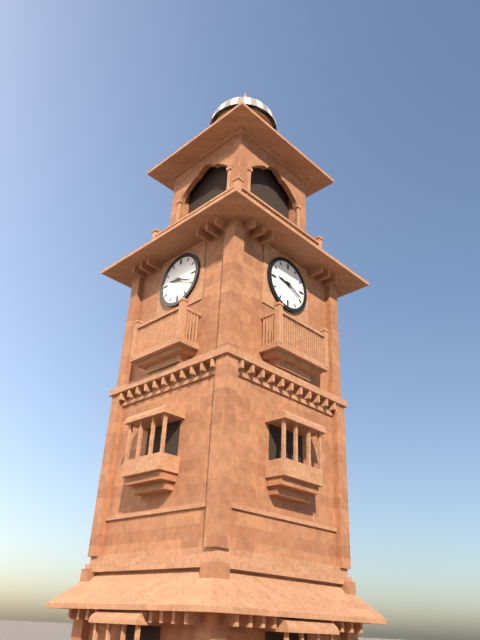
9:19
